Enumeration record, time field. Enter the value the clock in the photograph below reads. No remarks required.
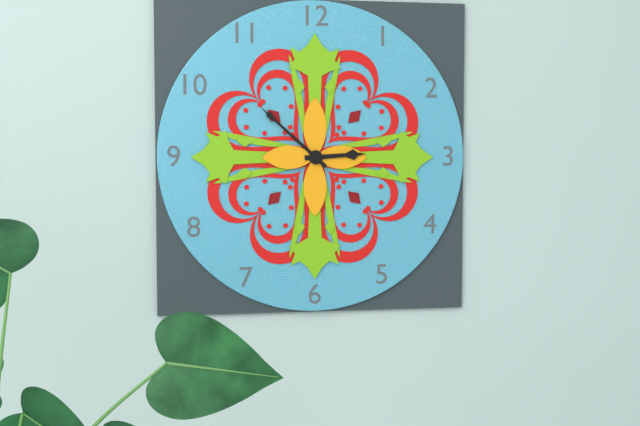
2:52
